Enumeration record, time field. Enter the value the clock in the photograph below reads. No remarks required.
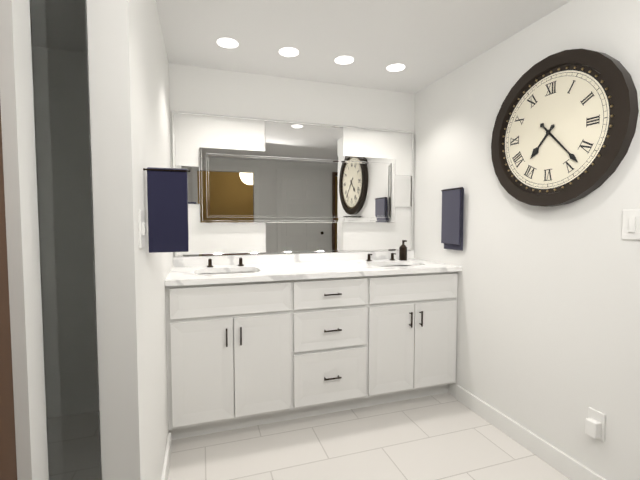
7:23
